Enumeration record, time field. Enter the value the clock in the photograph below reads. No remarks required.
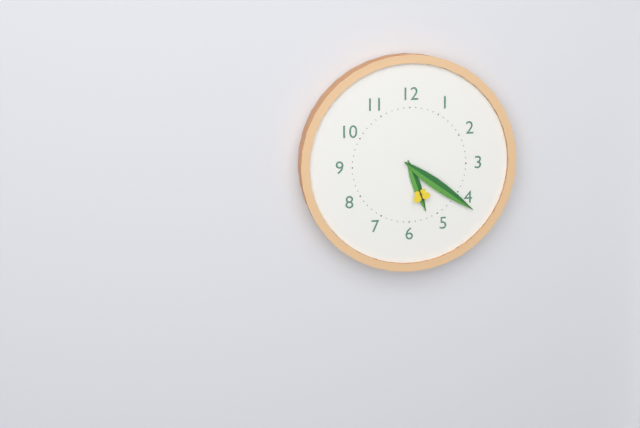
5:21
